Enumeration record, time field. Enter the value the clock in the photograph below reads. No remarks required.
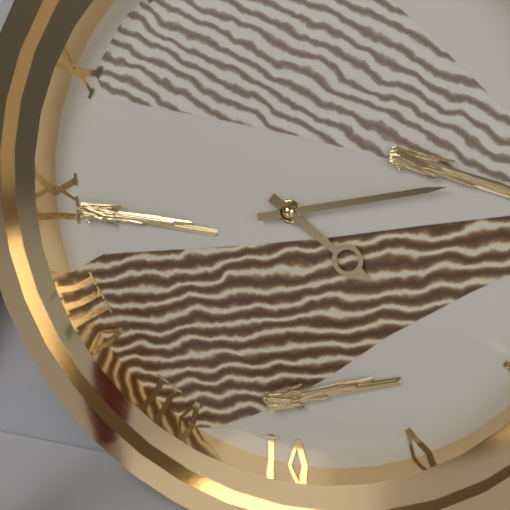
4:13
